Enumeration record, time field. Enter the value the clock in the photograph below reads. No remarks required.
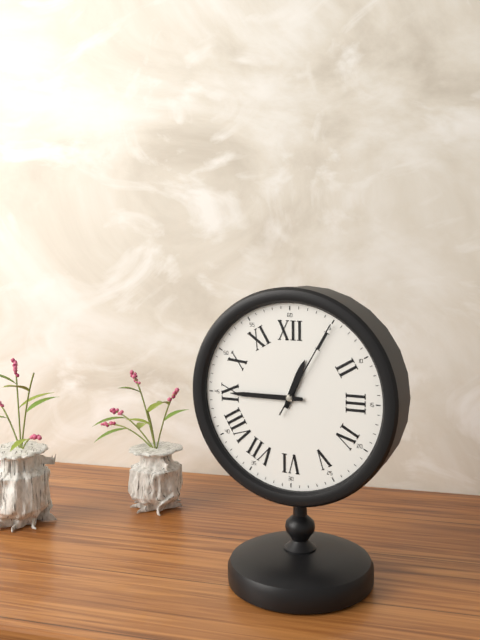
12:45:05
